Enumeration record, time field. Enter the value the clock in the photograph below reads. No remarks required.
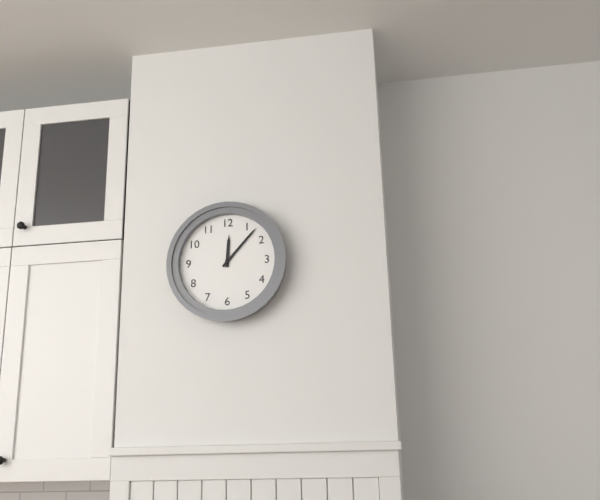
12:07
